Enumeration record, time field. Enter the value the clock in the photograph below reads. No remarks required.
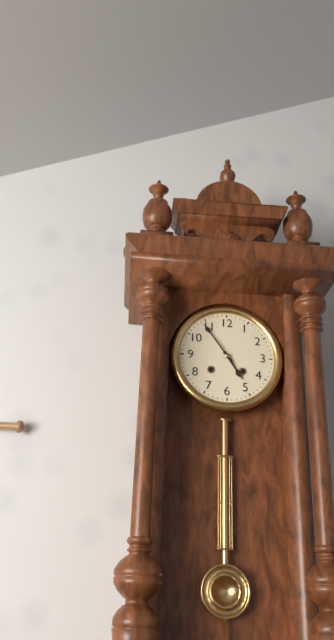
4:54
